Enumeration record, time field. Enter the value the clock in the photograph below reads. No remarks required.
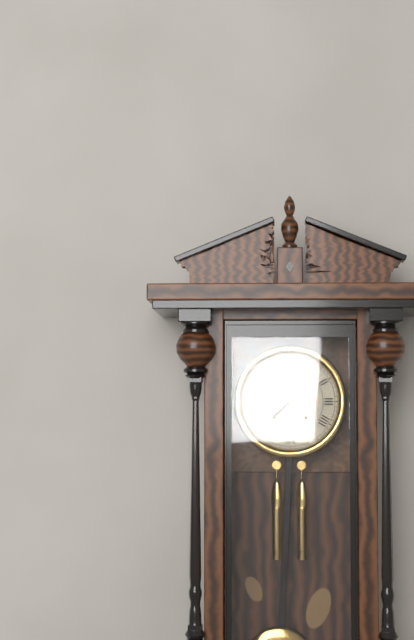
7:34
